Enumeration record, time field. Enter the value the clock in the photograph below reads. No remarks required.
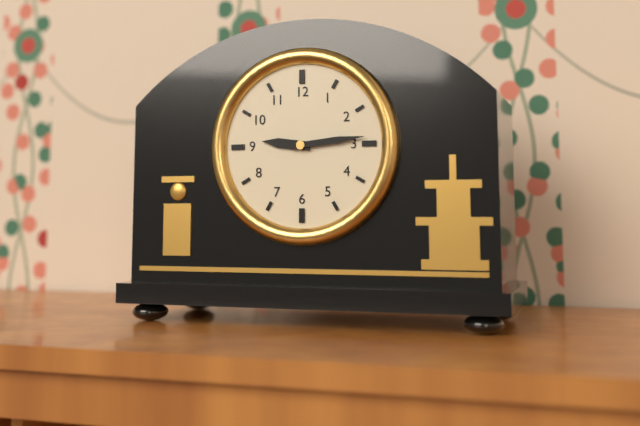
9:14
